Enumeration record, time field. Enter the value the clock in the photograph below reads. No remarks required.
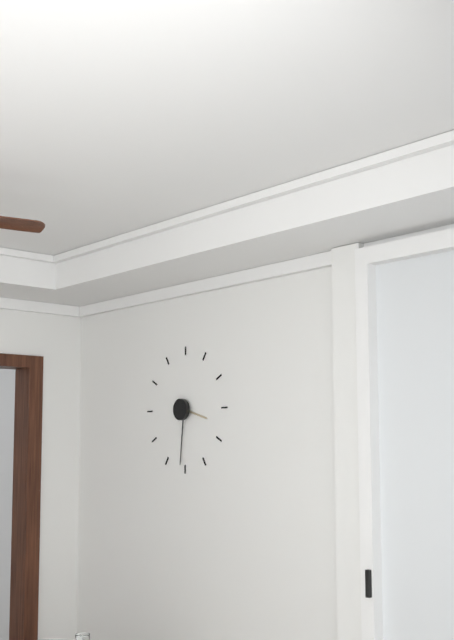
3:31
